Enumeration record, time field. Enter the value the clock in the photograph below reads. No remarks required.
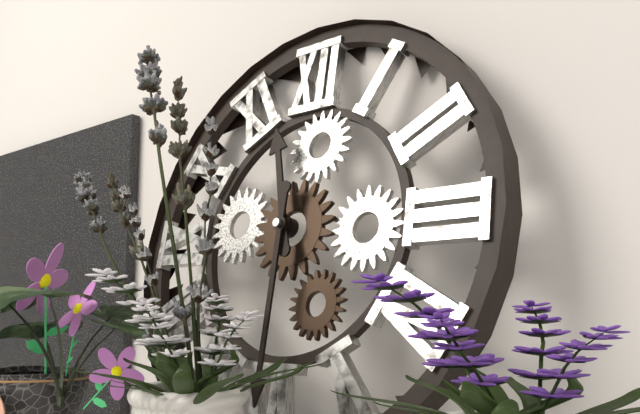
11:30
